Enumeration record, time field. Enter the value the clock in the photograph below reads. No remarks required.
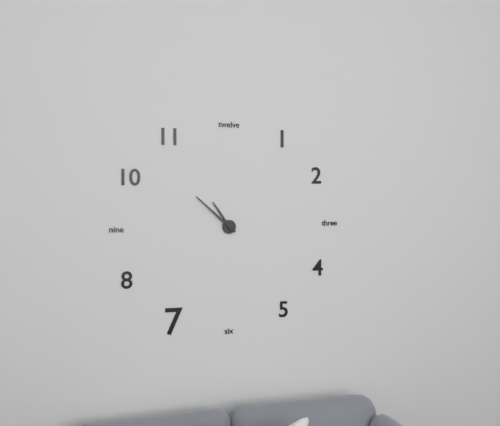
10:52
